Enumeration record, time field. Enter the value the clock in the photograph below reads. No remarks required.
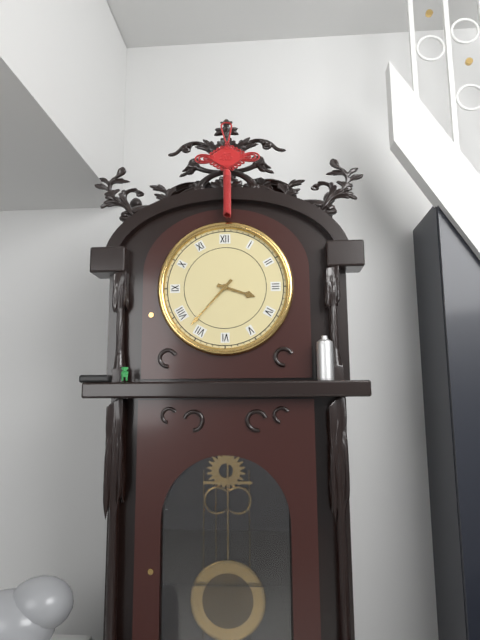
3:37
